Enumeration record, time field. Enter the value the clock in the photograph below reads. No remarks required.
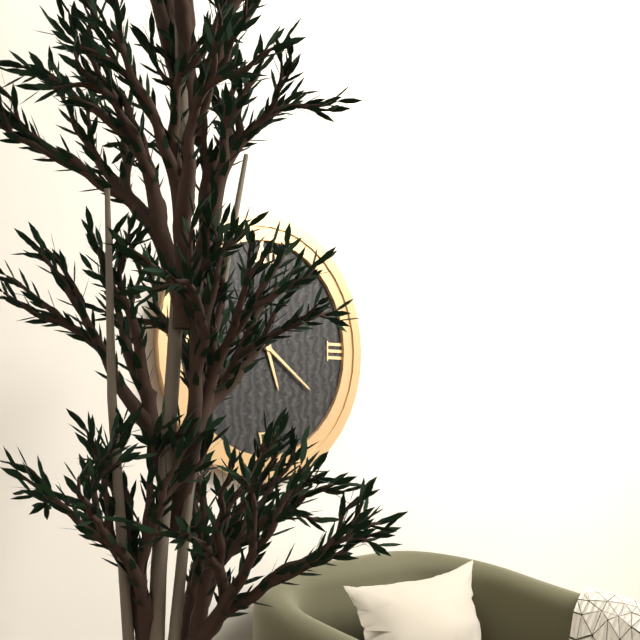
5:21
